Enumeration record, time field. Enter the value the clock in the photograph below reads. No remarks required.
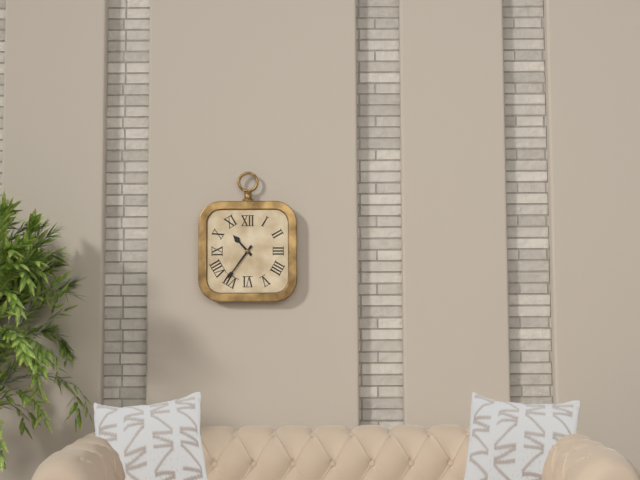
10:36
